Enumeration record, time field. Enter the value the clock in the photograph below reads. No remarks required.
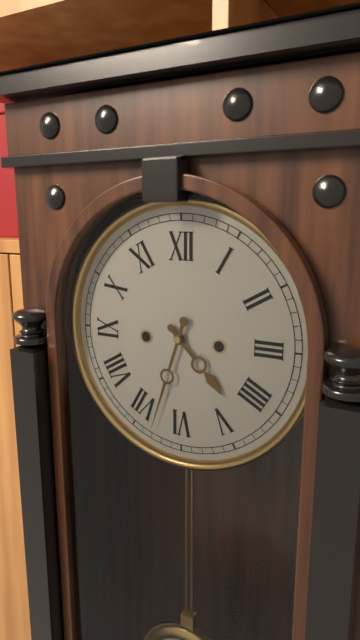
4:33
